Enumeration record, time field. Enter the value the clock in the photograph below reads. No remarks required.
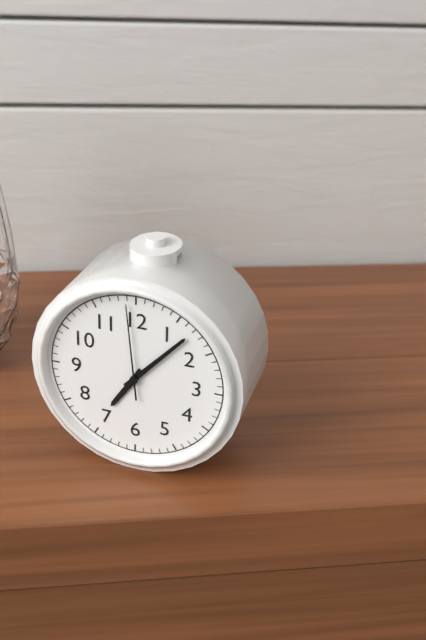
7:07:59
